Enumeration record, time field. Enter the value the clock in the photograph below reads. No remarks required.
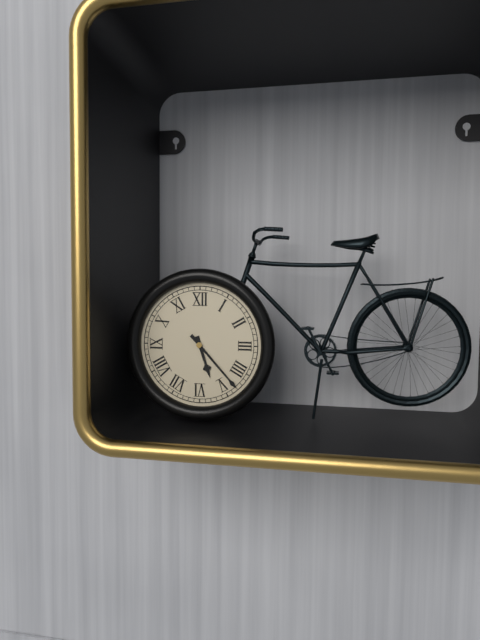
5:23
